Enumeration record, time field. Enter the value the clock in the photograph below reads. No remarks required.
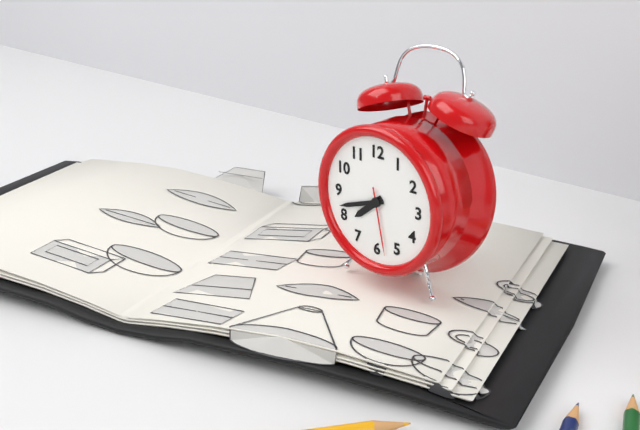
7:42:28
